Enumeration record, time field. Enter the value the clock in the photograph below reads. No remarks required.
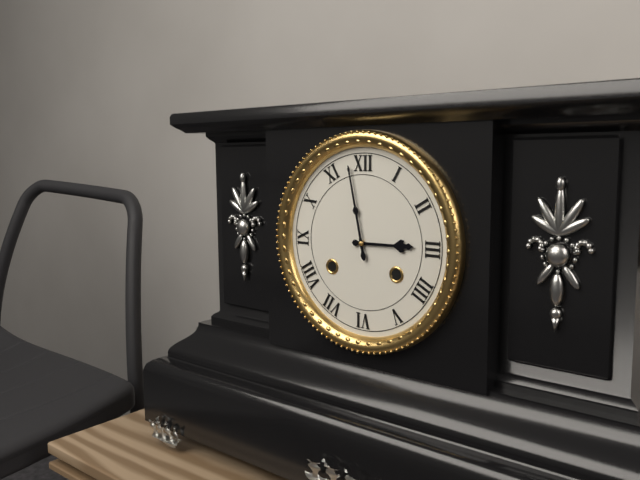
2:58
